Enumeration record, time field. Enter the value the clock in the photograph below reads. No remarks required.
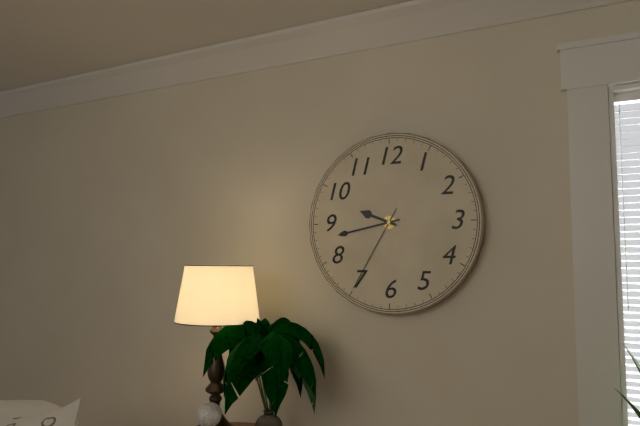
9:43:35
